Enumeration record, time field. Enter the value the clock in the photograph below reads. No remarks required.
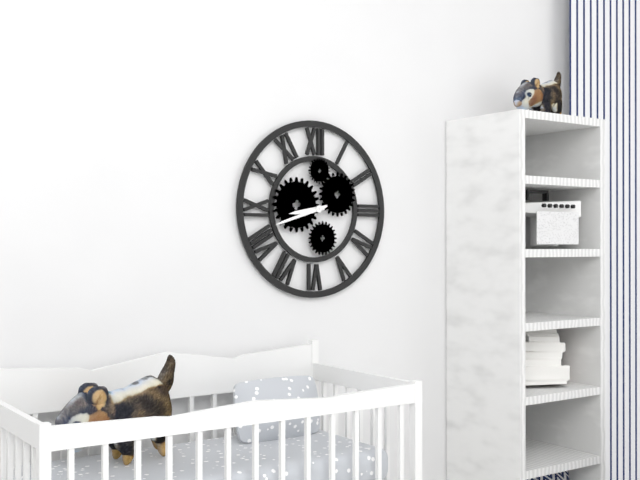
8:42
